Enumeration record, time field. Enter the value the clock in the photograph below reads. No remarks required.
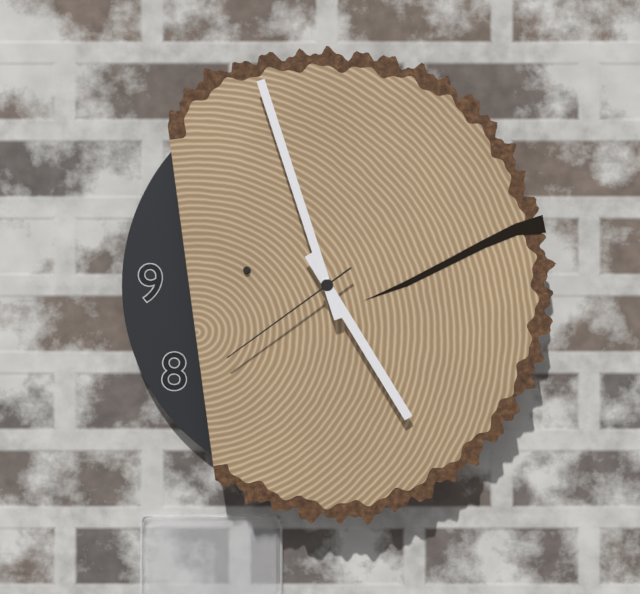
4:57:39
